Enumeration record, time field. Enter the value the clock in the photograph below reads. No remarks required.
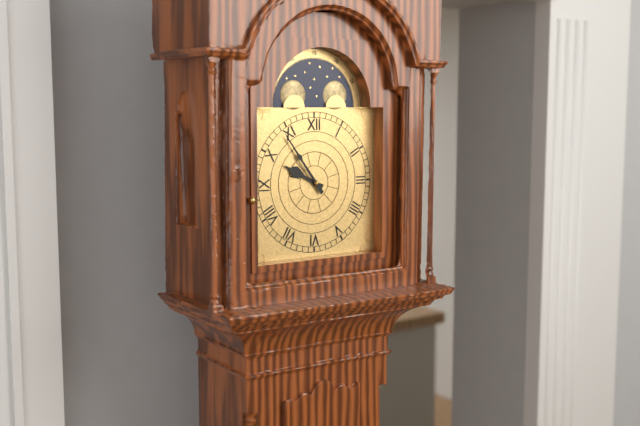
9:54
